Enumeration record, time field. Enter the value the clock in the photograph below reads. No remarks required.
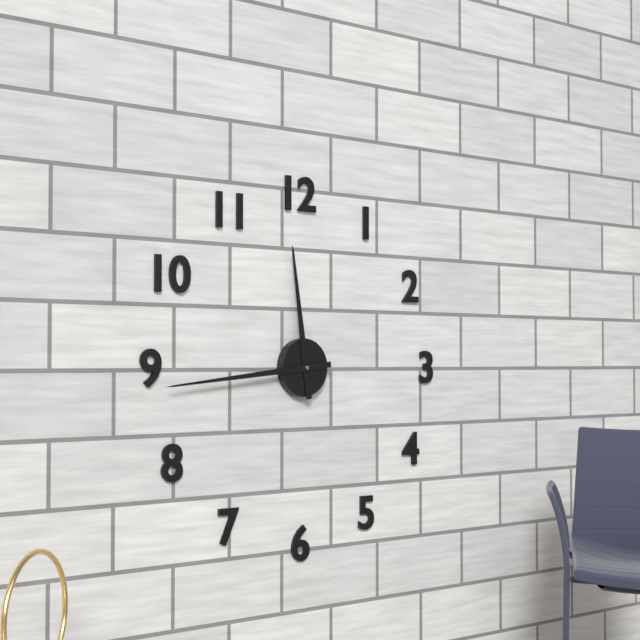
11:44
